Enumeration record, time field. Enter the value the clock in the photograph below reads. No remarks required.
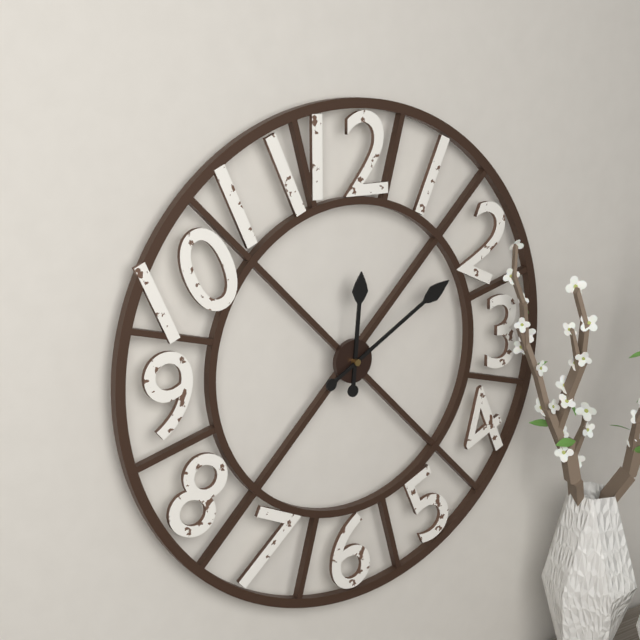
12:10
